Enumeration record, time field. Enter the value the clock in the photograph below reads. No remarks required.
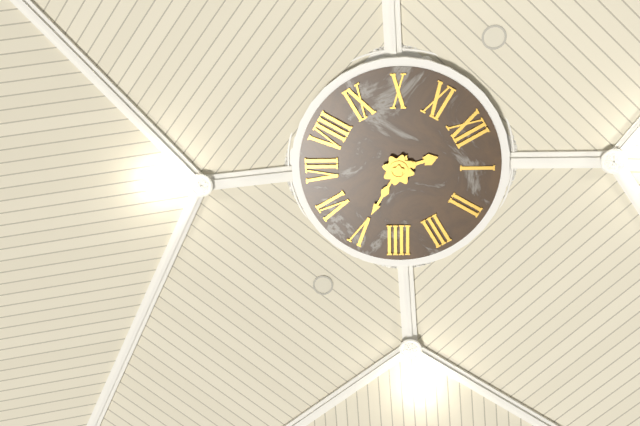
12:25
